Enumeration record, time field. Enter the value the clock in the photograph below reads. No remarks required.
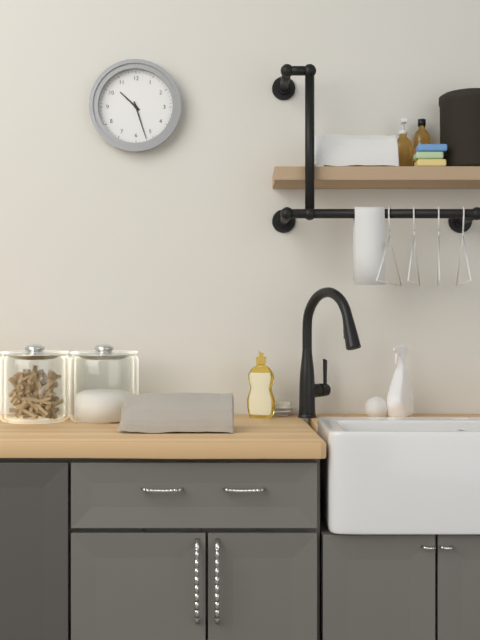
10:27
